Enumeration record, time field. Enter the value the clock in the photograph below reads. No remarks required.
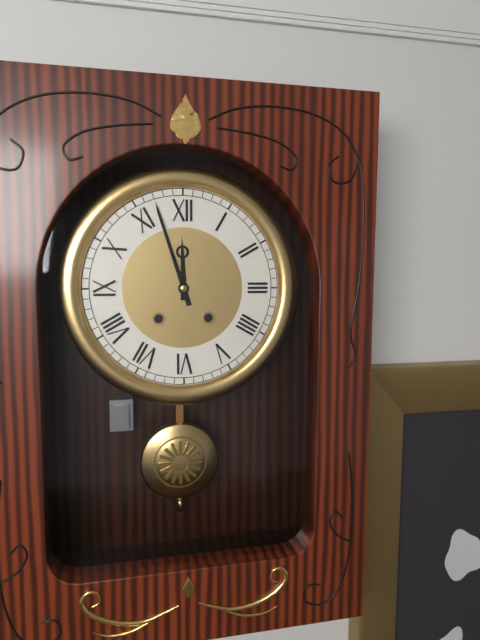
11:57
